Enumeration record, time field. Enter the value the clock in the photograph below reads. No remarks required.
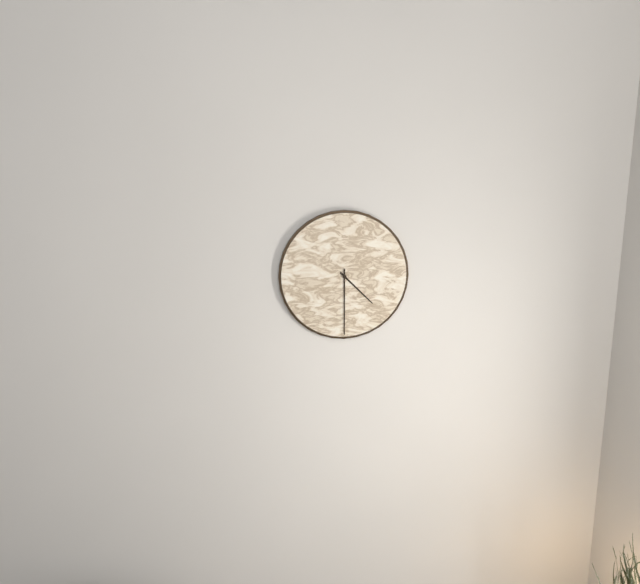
4:30
